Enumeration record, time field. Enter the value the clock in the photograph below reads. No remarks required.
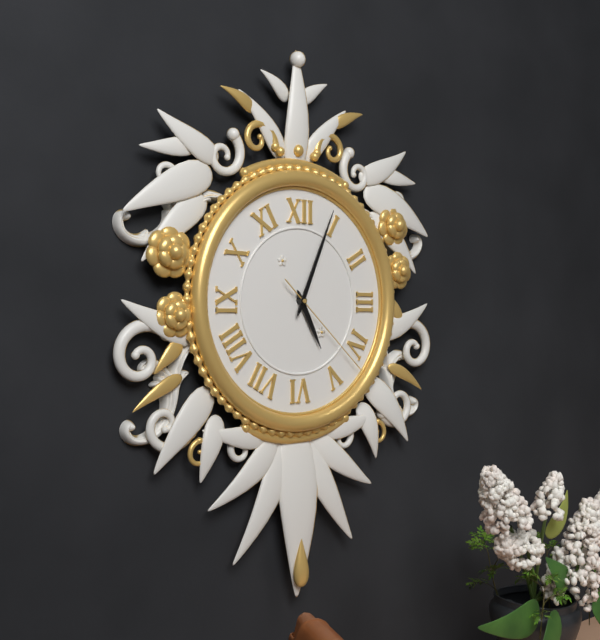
5:04:22
